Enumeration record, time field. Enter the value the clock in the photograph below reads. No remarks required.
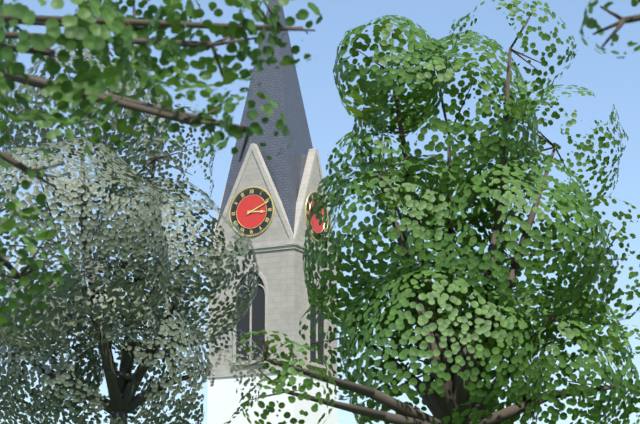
3:11
